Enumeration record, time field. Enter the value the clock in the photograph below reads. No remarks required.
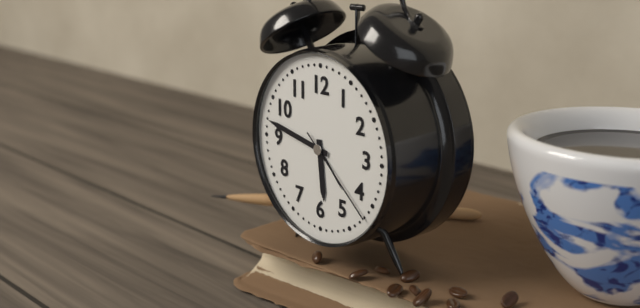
5:47:22
